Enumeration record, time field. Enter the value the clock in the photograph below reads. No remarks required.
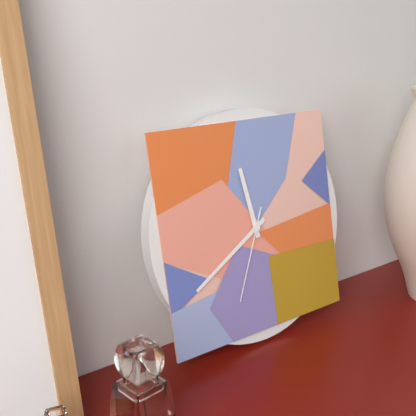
11:40:34
